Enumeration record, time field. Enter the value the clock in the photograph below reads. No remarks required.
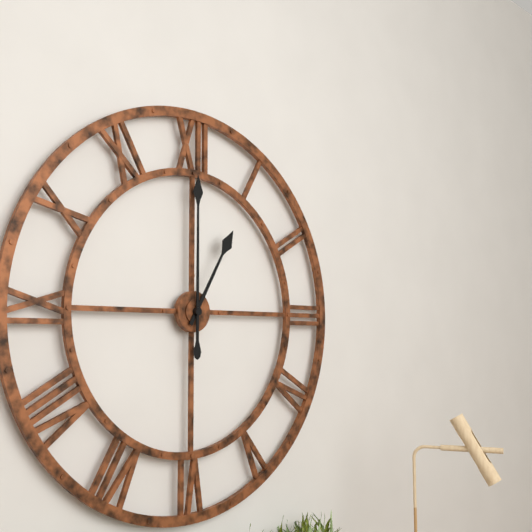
1:00
